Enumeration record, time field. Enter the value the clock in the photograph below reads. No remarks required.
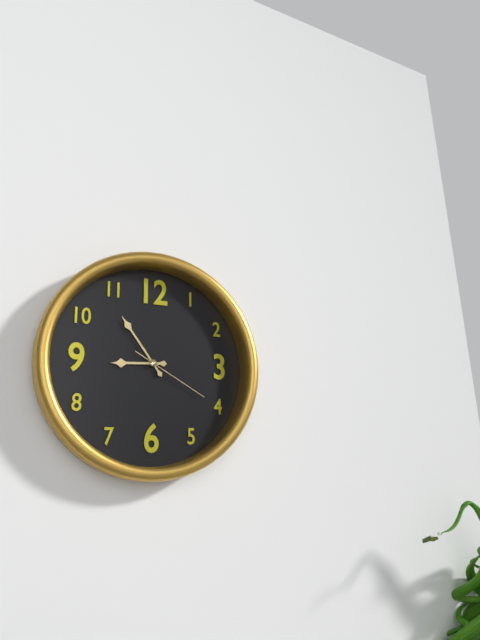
8:54:20
